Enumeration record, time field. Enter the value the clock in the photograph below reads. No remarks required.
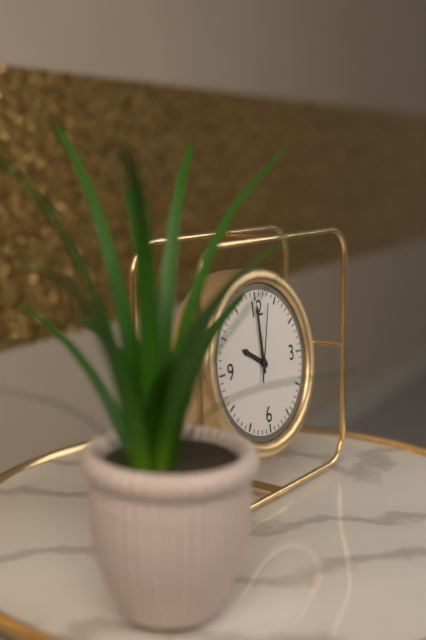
10:00:03
